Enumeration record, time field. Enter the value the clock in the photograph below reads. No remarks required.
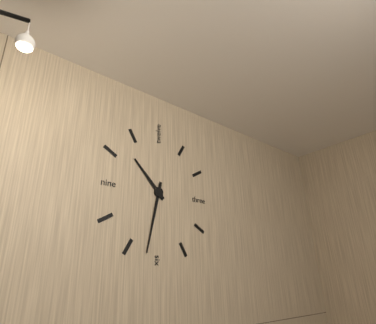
10:32
